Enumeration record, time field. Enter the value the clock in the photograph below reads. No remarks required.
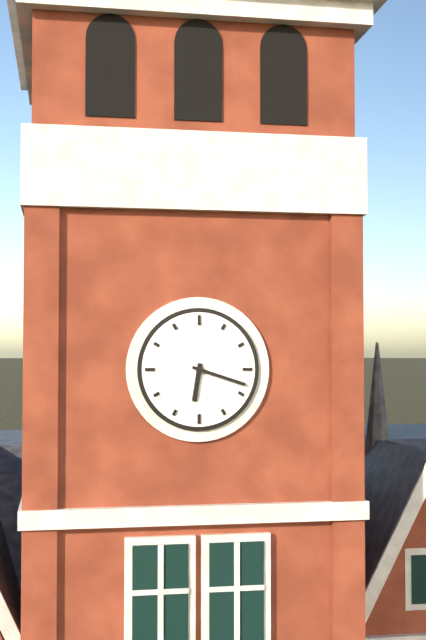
6:18
